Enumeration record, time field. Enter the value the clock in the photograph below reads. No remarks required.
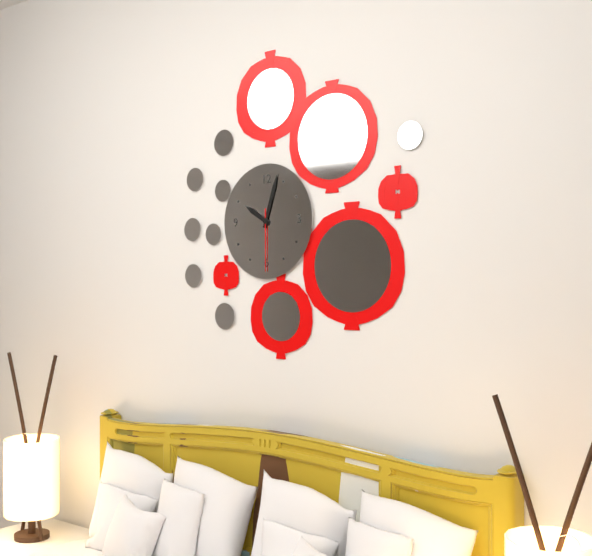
10:03:30
